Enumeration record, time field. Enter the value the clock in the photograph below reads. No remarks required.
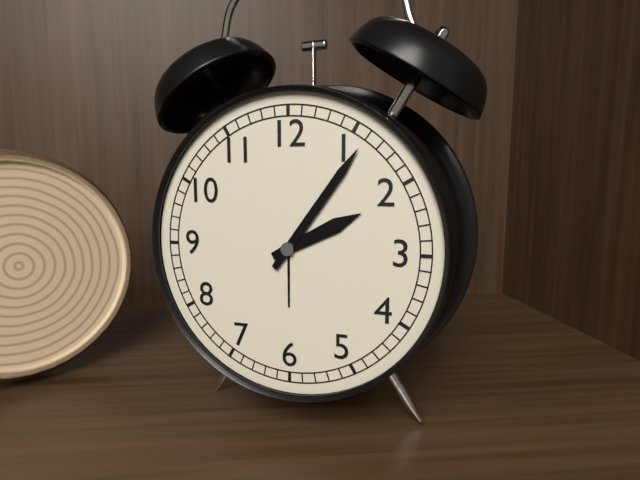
2:06
